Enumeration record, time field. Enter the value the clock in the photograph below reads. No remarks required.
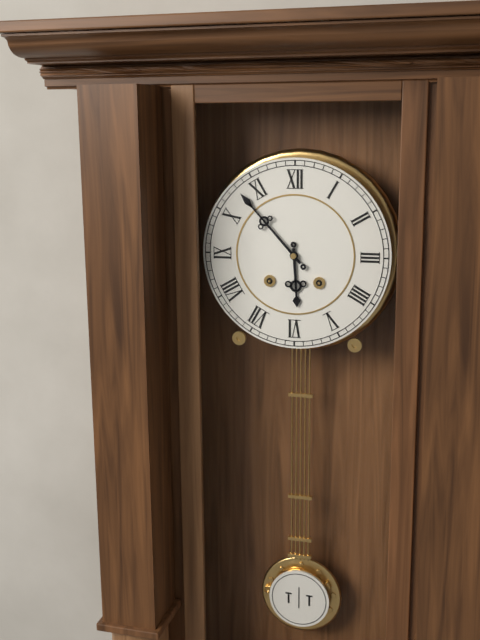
5:53
